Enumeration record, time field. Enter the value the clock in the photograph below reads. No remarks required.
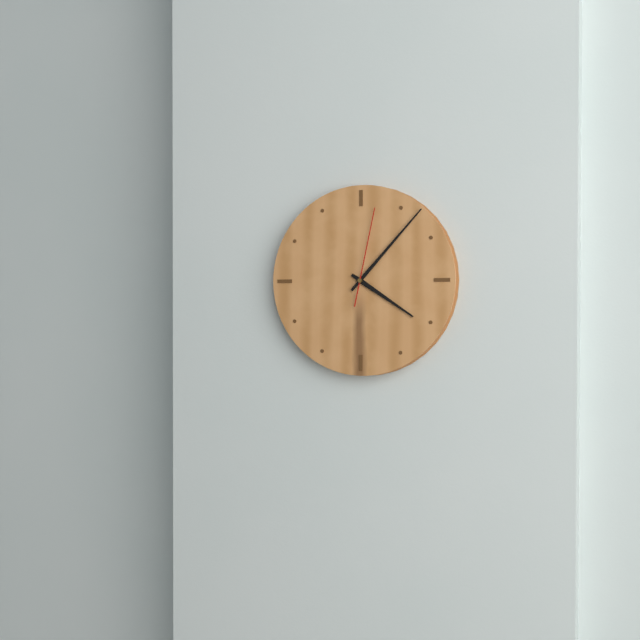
4:07:02
